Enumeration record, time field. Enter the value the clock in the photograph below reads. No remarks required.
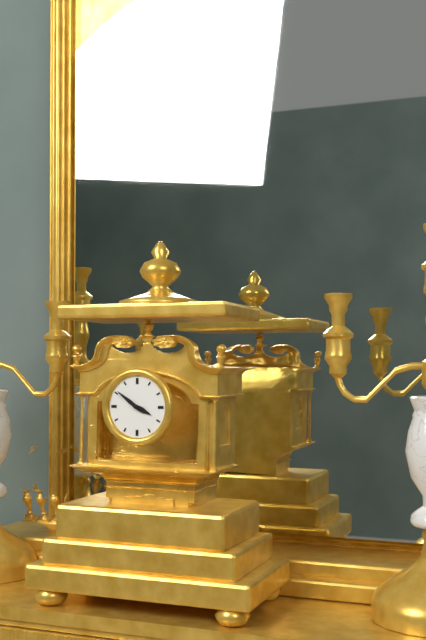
3:51
